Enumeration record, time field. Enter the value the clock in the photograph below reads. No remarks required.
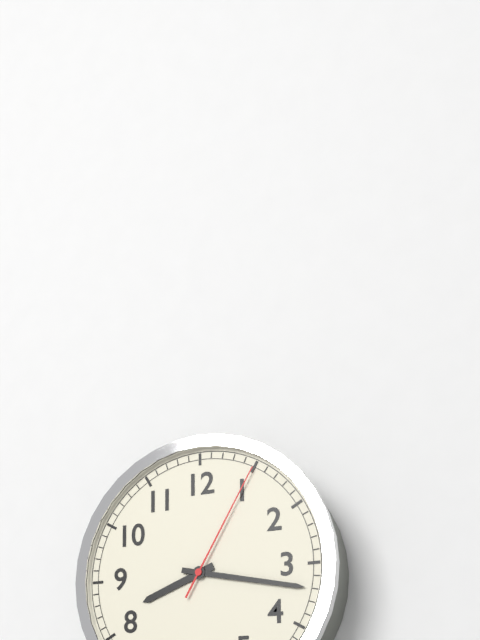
8:17:05
